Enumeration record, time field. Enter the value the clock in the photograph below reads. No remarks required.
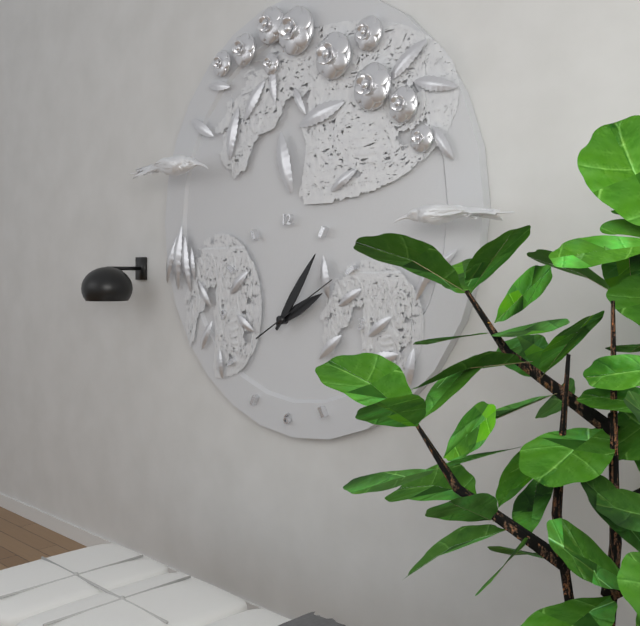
2:06:10
